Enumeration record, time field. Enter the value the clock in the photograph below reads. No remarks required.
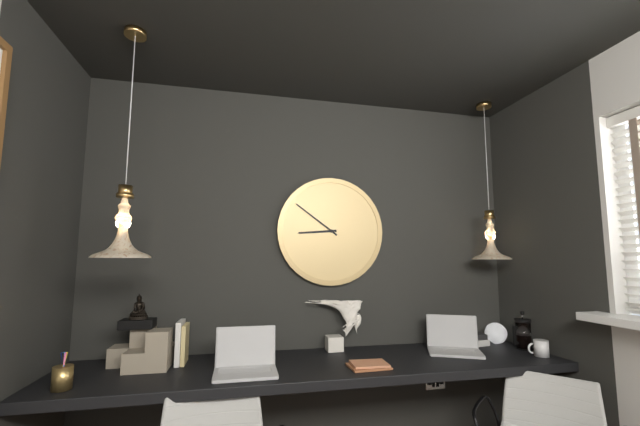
8:51
